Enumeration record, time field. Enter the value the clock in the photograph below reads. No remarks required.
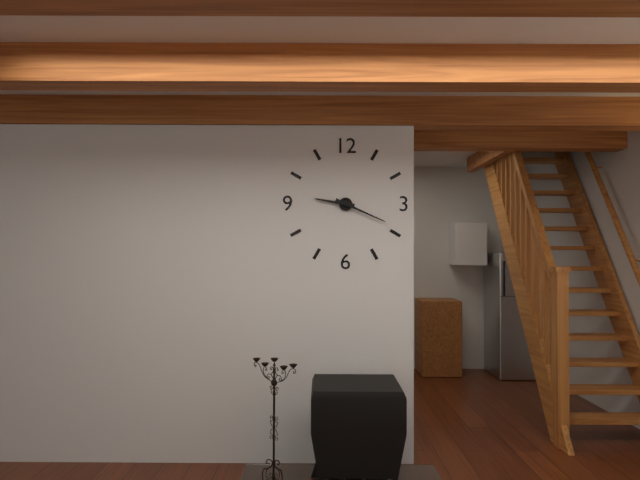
9:19
